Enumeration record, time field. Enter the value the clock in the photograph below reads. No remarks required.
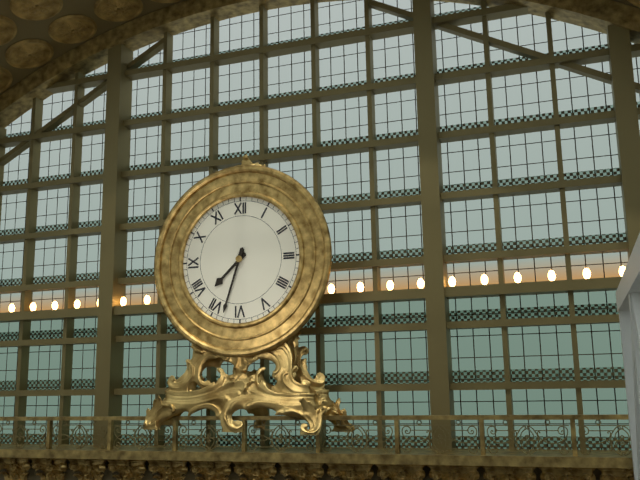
7:33
